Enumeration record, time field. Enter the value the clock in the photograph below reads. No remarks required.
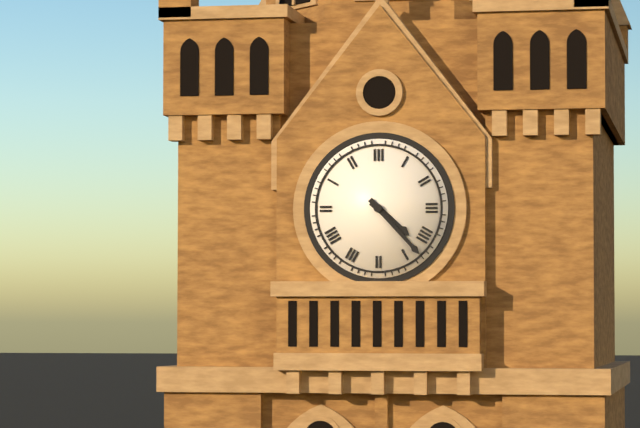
4:23
